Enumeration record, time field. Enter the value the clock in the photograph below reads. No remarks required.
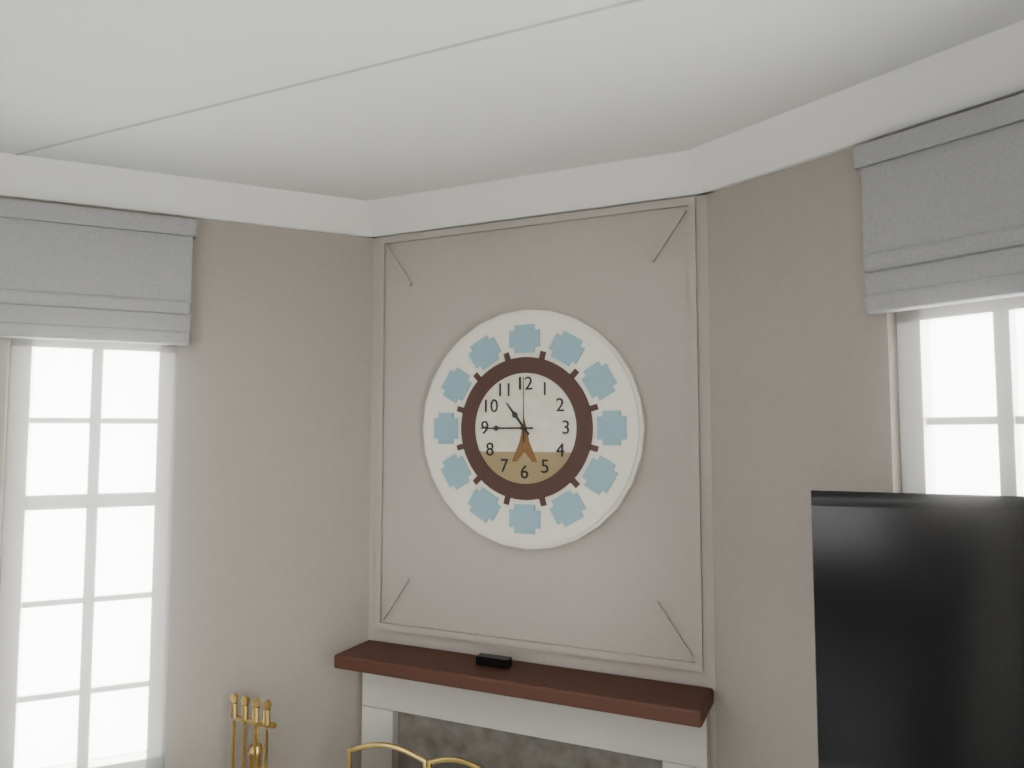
10:45:00
